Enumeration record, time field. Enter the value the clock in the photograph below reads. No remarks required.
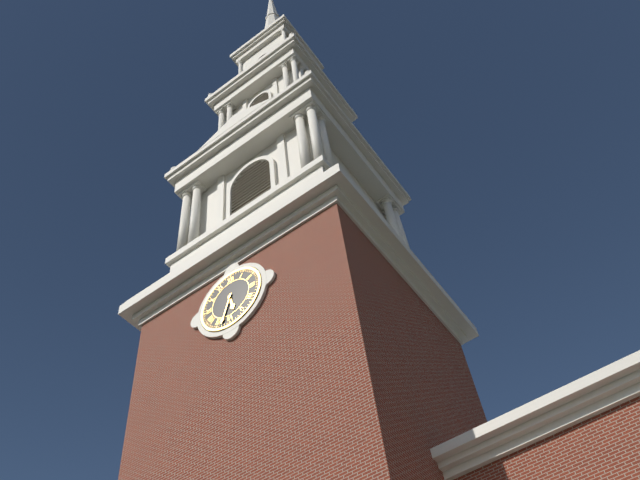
5:33
